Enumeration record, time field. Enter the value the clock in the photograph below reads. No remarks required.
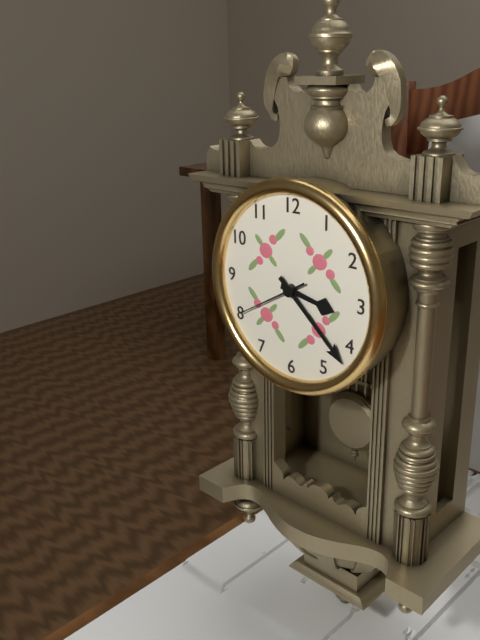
3:22:40
